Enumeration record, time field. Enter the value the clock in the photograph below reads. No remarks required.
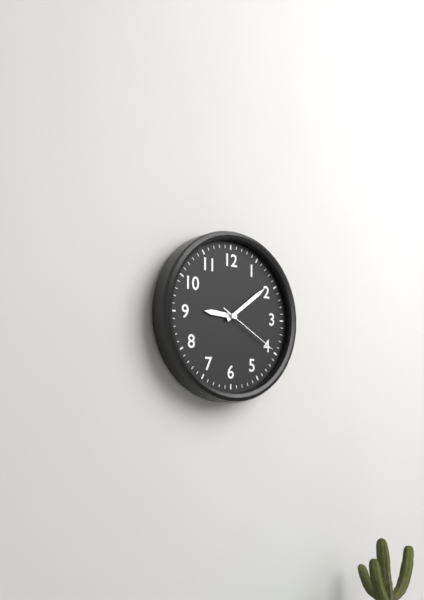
9:09:20
